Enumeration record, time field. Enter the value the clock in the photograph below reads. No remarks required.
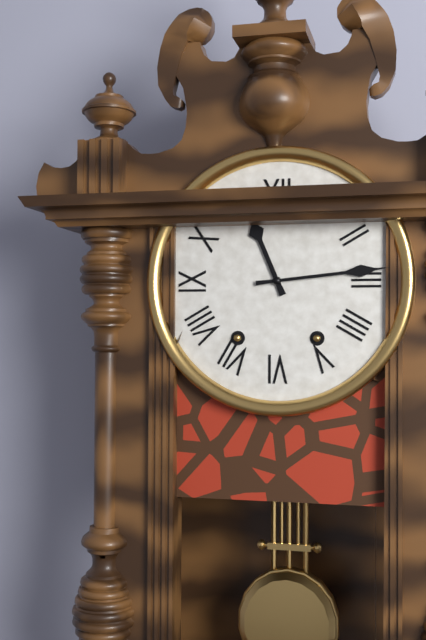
11:14
